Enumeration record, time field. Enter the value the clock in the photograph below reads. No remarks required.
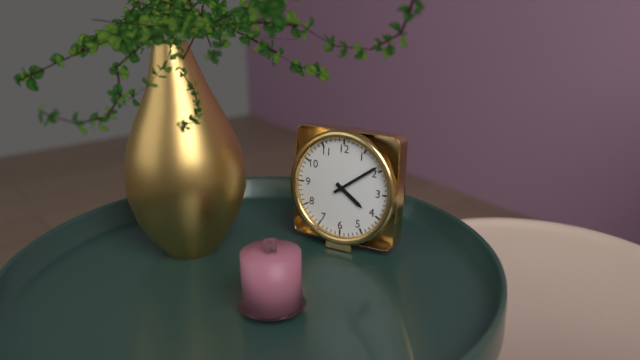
4:09
